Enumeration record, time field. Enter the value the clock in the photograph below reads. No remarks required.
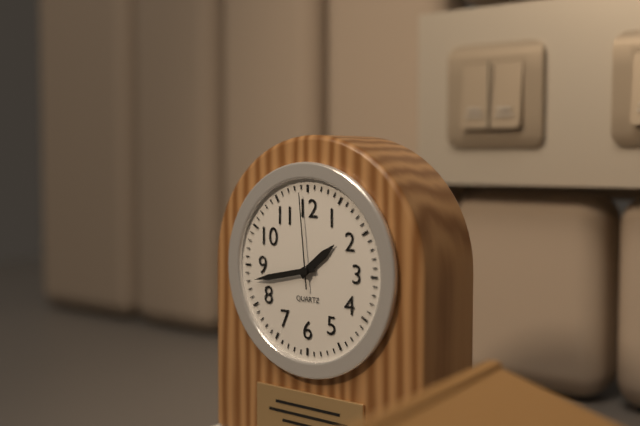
1:43:59
